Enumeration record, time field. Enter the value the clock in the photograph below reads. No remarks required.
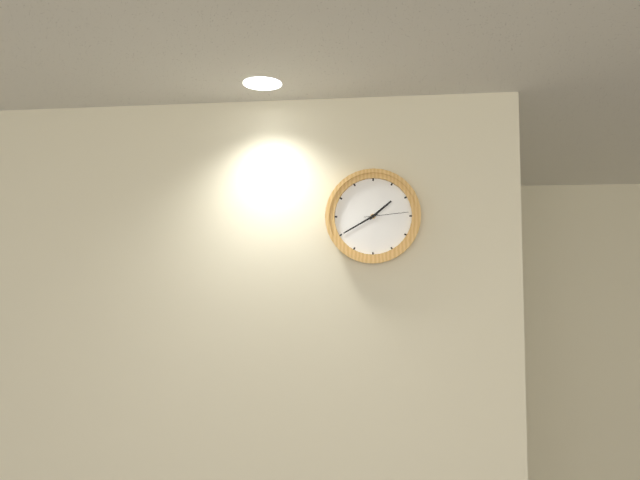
1:40
